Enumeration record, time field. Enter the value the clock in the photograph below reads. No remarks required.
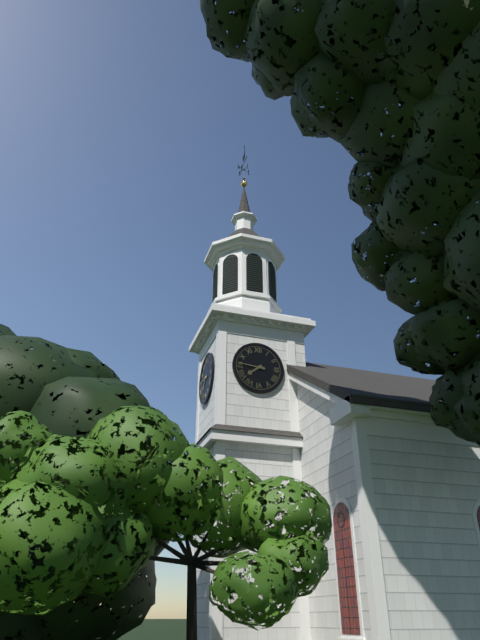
7:46
